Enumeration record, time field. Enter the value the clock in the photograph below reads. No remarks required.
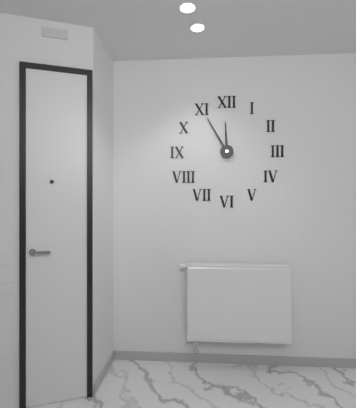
11:55
